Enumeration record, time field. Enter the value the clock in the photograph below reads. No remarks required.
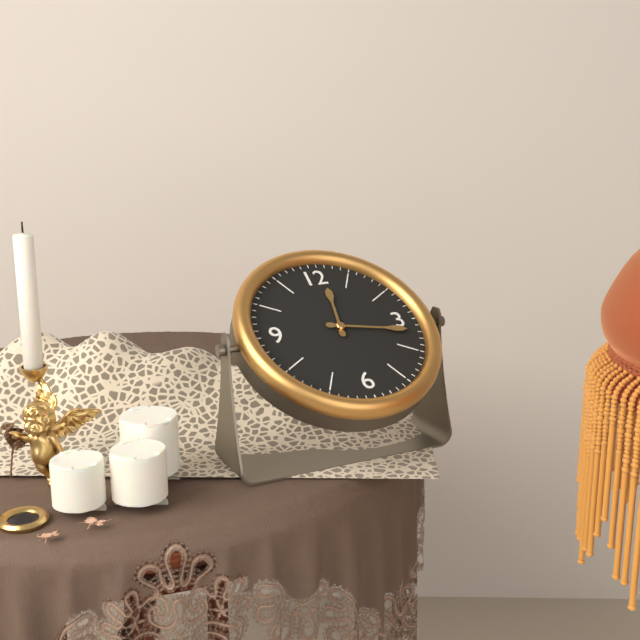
12:17
